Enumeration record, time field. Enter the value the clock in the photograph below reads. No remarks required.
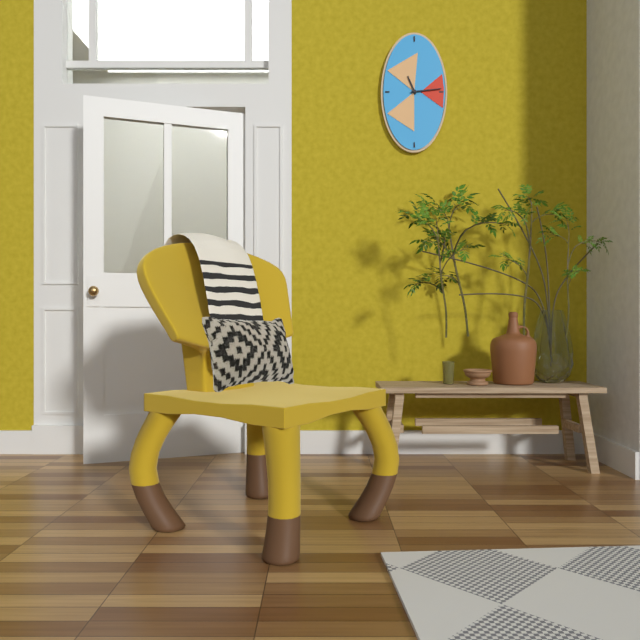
11:14
